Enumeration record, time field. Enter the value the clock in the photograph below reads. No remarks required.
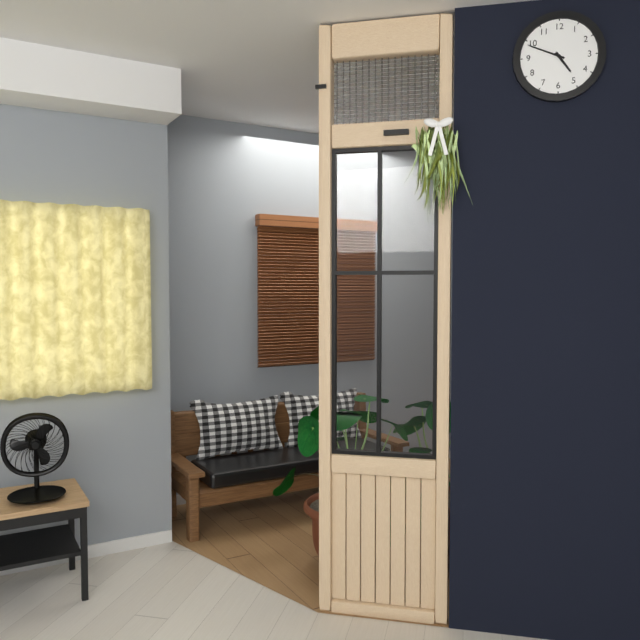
4:49
